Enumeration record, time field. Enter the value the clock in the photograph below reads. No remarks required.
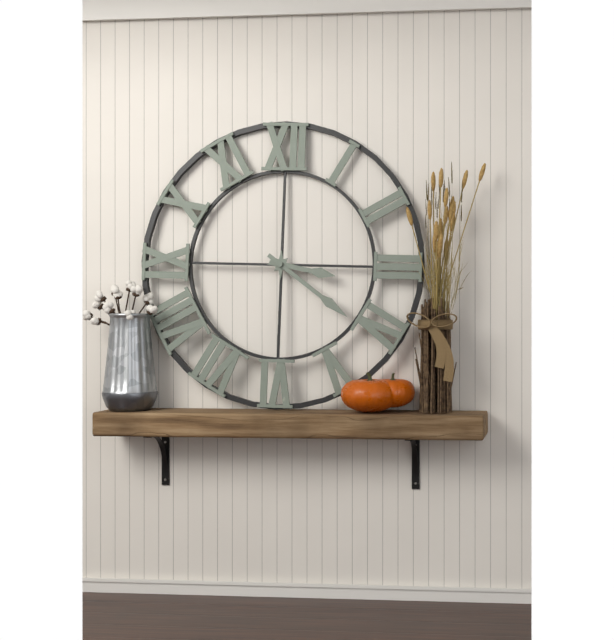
3:21
